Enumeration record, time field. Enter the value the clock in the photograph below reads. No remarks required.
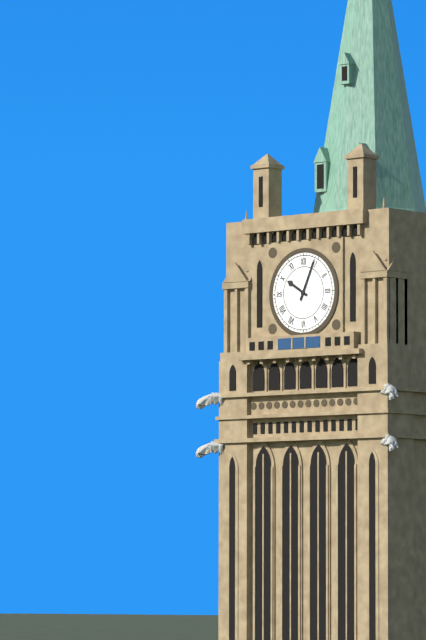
10:04
